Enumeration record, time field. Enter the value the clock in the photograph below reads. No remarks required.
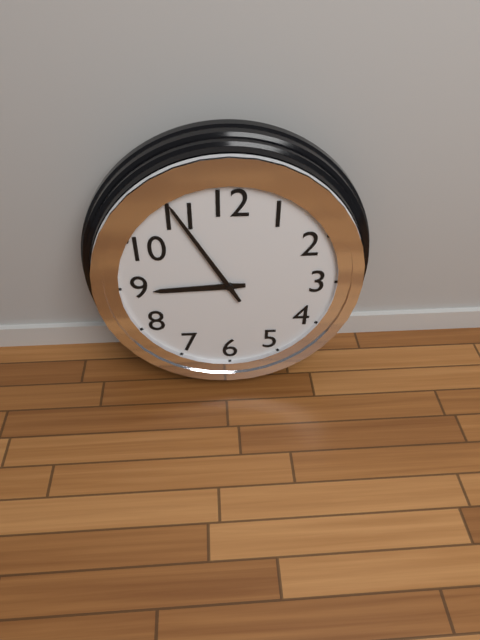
8:55
